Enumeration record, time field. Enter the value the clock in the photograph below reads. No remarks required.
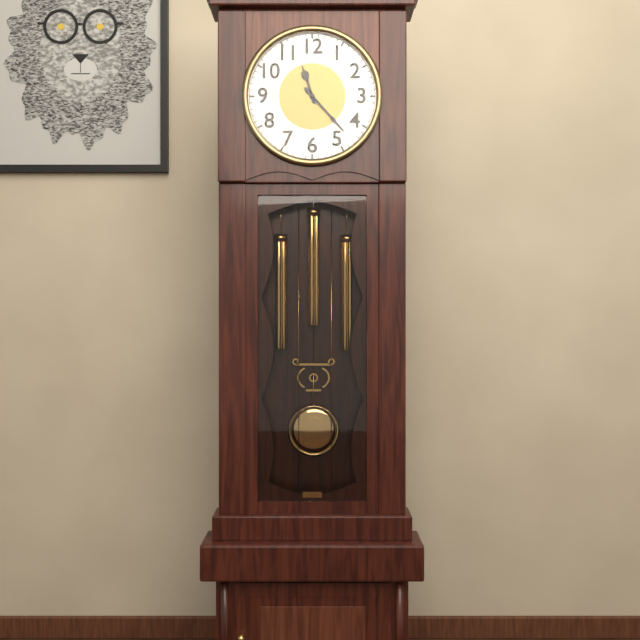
11:23
